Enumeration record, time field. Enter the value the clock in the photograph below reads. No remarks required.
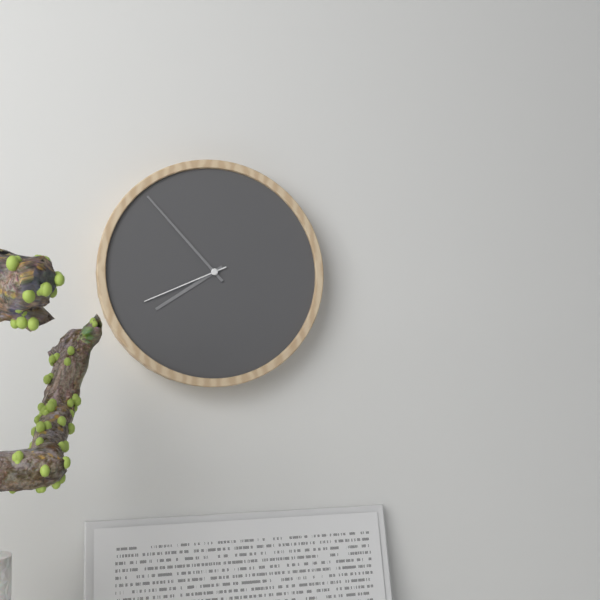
7:53:41
